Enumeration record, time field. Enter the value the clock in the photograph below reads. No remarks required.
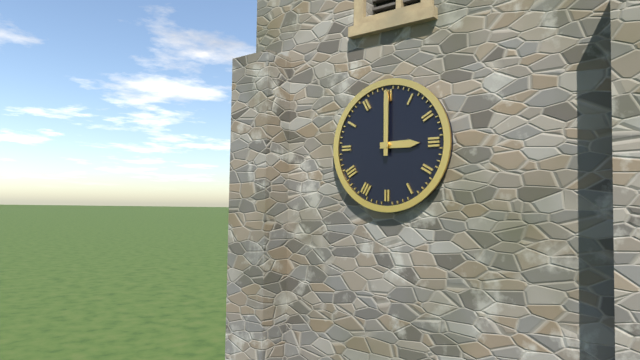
3:00
